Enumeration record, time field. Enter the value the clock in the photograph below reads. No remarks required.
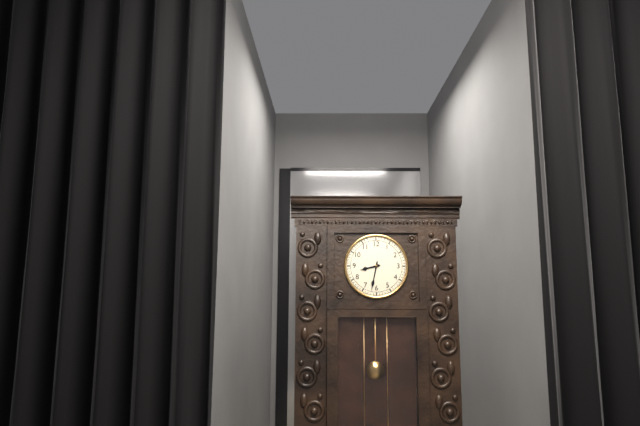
8:32
